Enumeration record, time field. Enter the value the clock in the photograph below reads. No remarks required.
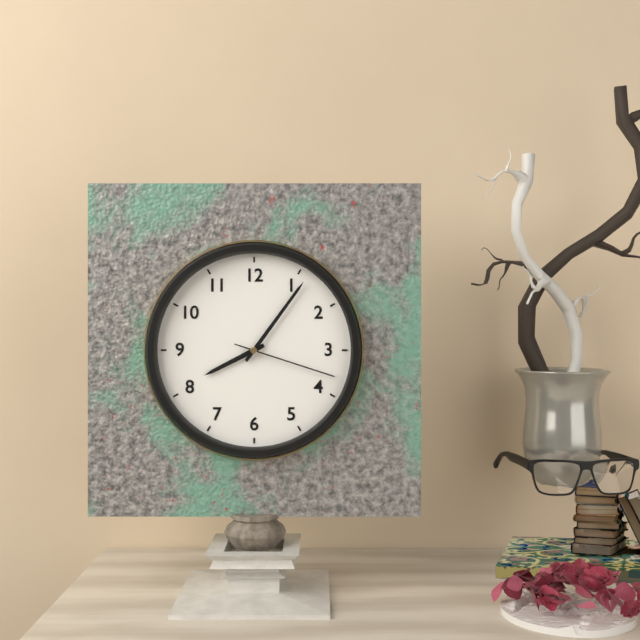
8:06:18
